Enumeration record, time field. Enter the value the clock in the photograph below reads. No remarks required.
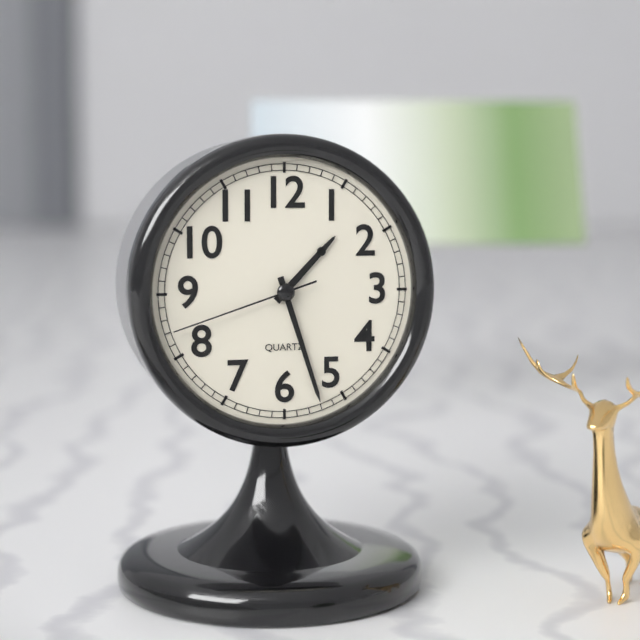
1:27:42
